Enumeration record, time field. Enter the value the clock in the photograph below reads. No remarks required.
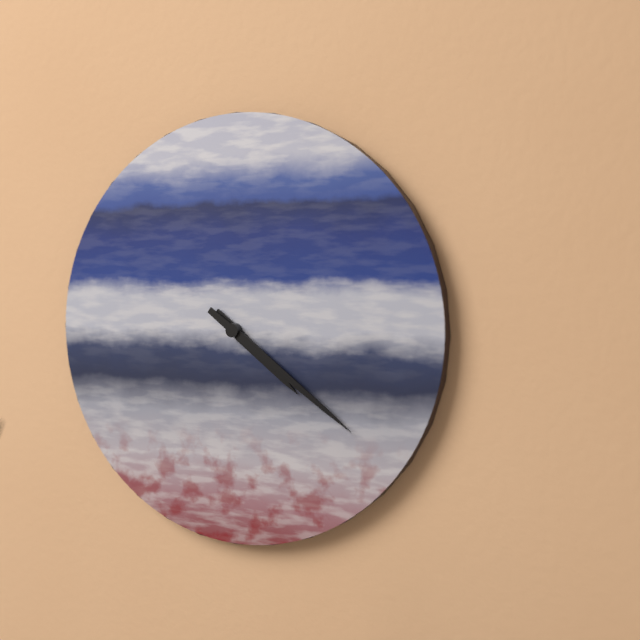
4:21
